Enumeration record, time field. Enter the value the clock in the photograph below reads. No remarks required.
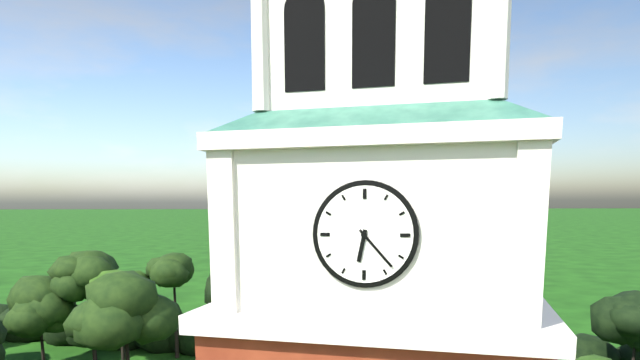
6:23
